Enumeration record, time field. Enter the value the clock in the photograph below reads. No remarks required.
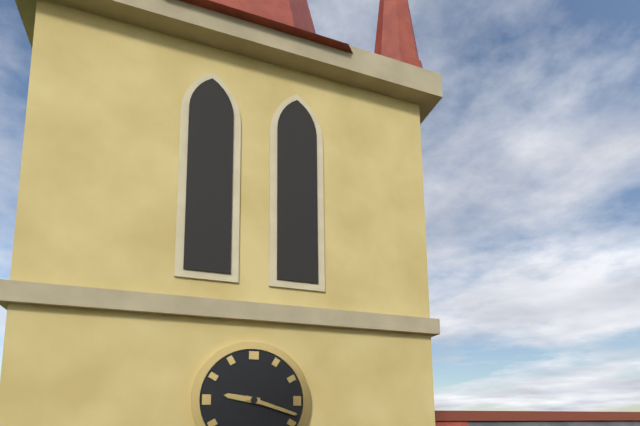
9:18
